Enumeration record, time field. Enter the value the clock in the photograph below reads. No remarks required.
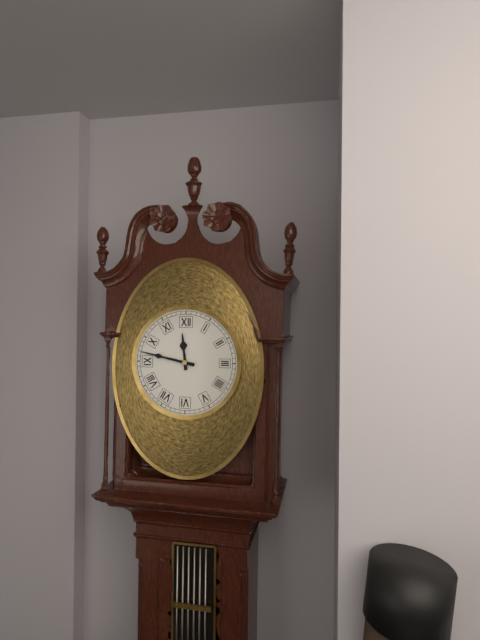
11:47
